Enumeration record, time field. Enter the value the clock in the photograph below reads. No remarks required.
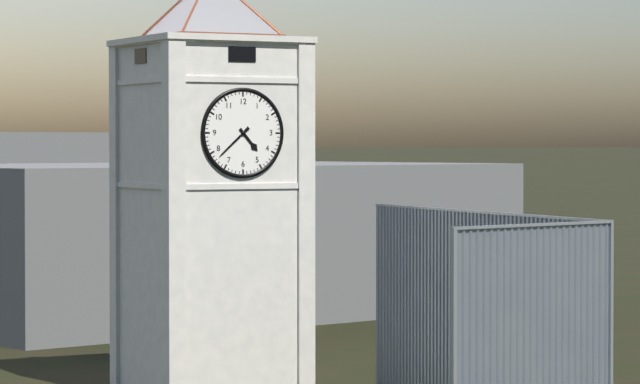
4:38
